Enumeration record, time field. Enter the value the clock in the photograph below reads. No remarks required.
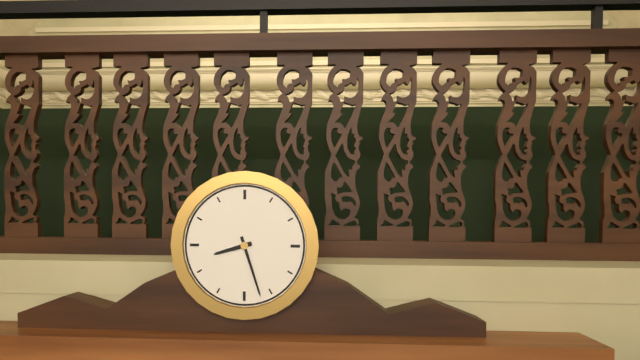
8:27
